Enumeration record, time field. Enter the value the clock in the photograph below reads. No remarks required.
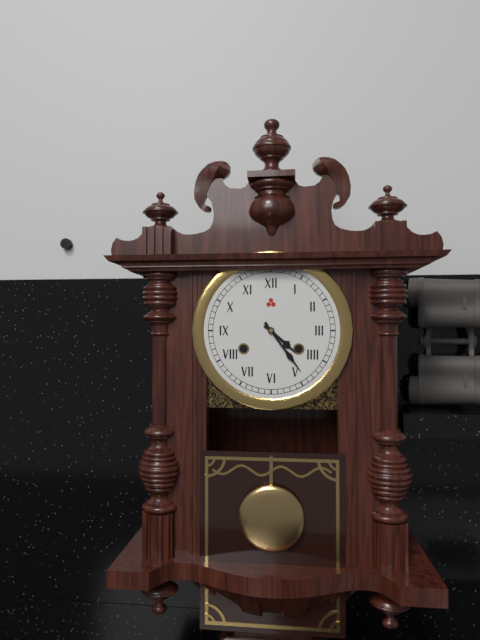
4:24
